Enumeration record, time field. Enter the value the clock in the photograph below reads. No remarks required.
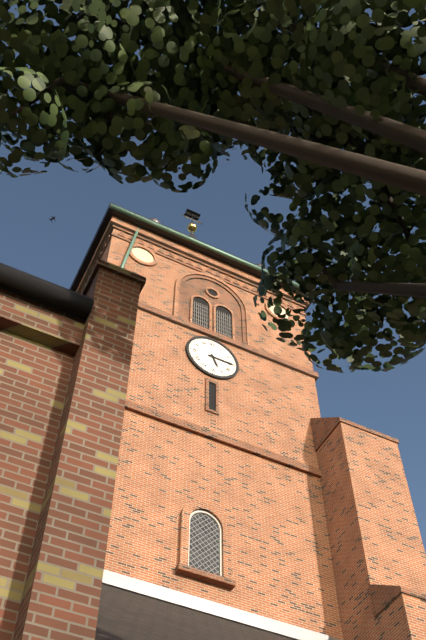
5:15
